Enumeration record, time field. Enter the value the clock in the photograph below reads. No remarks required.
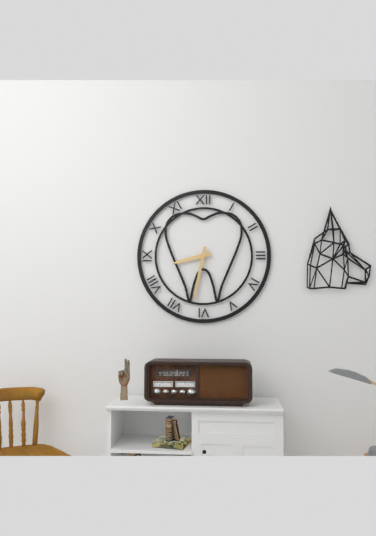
8:32
